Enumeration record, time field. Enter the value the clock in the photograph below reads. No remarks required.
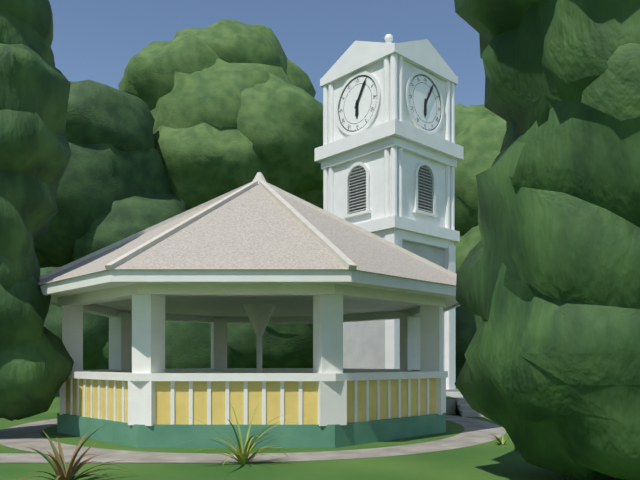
6:05
